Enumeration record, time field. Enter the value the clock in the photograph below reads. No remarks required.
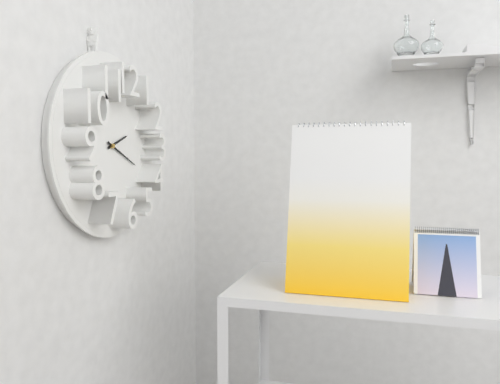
2:19
